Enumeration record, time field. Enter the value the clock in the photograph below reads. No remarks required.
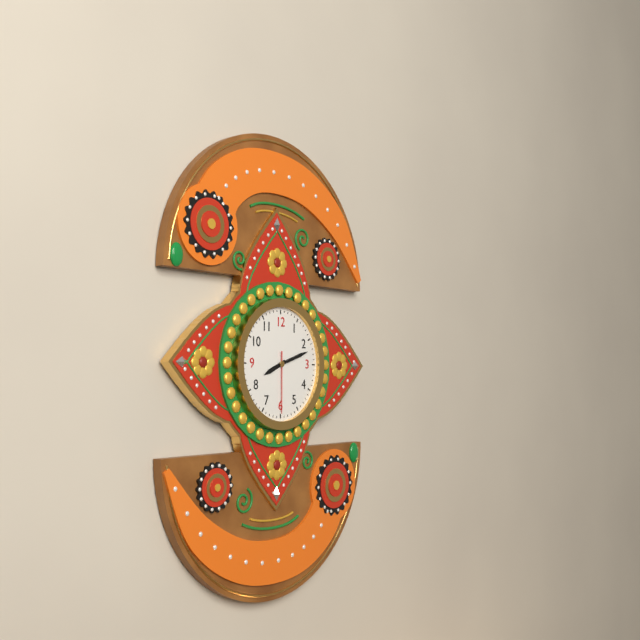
8:12:30
